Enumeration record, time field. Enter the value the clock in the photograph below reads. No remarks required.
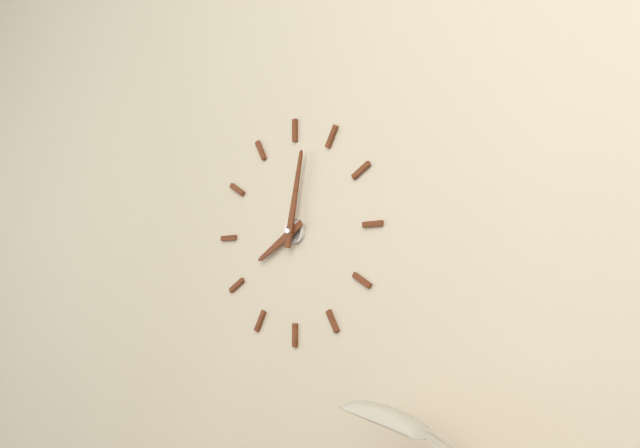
8:02
